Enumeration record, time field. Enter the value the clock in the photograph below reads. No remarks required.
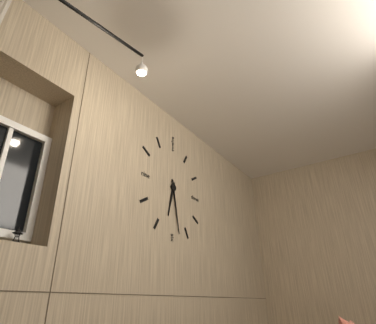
6:28
